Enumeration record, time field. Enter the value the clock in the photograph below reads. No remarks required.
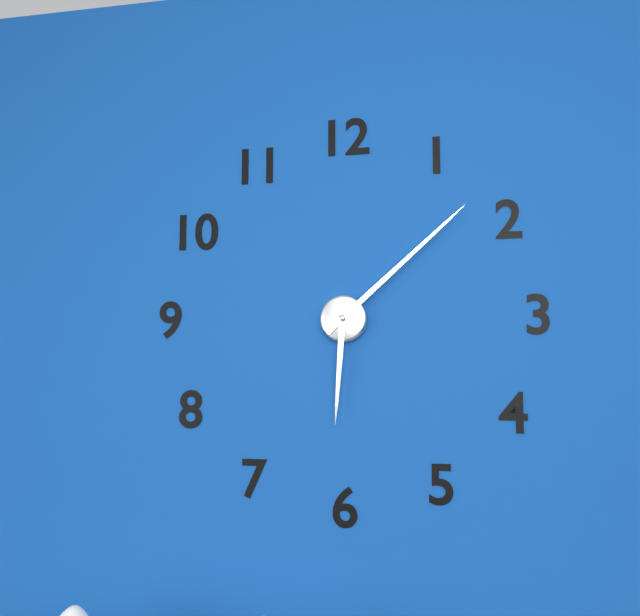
6:08
